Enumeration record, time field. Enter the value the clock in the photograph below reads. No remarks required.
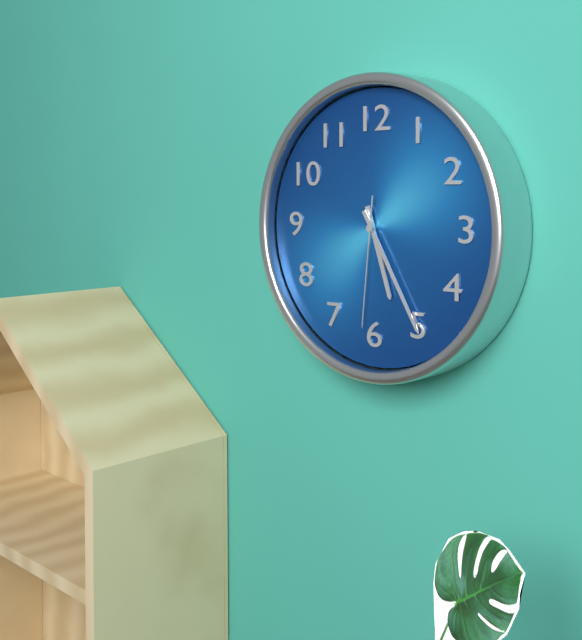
5:25:31
